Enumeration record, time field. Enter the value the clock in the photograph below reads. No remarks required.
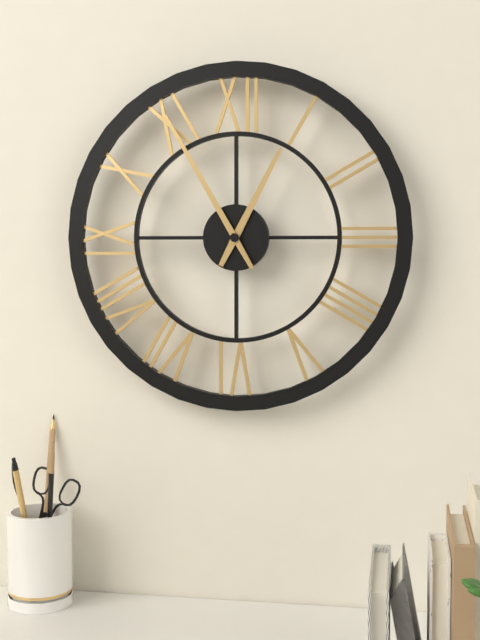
12:55
